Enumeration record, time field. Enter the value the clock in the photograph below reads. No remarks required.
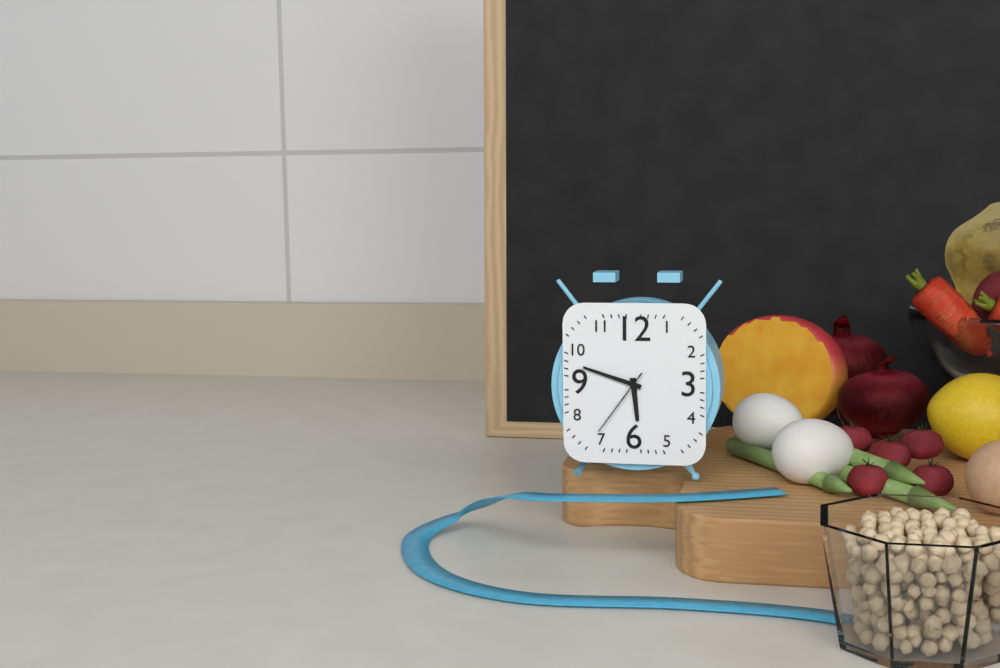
5:48:36
